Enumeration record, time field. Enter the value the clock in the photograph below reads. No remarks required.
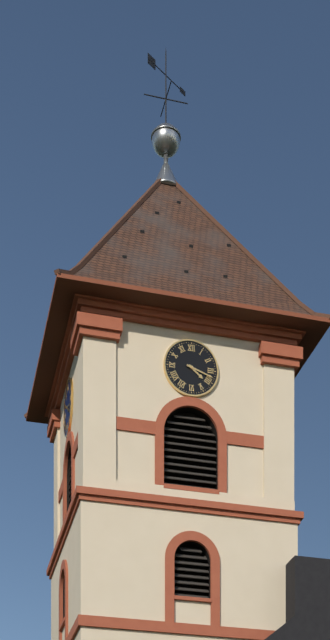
4:18
